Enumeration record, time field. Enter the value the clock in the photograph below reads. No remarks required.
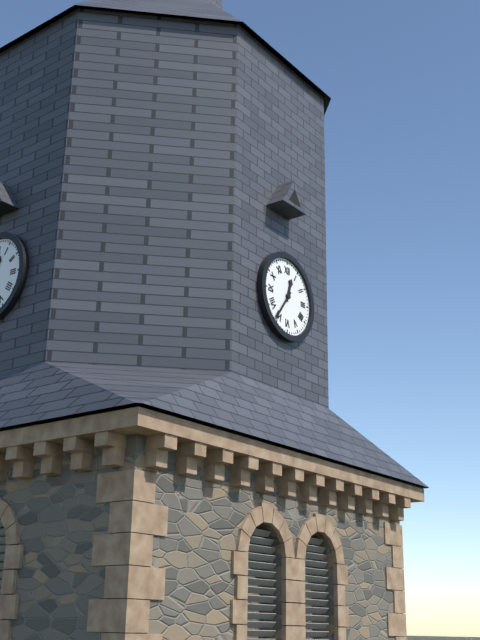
12:36
